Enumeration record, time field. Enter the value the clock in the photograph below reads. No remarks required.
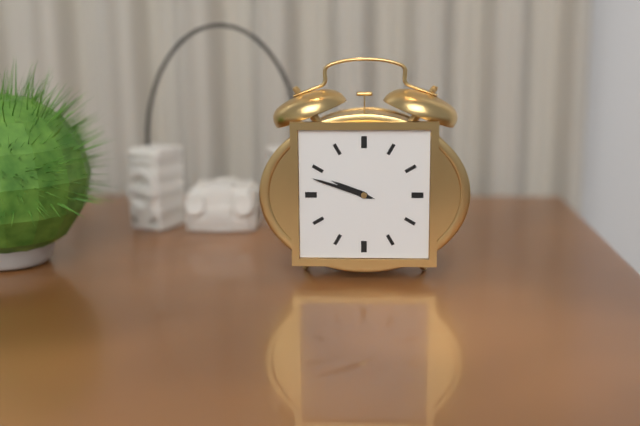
9:48
